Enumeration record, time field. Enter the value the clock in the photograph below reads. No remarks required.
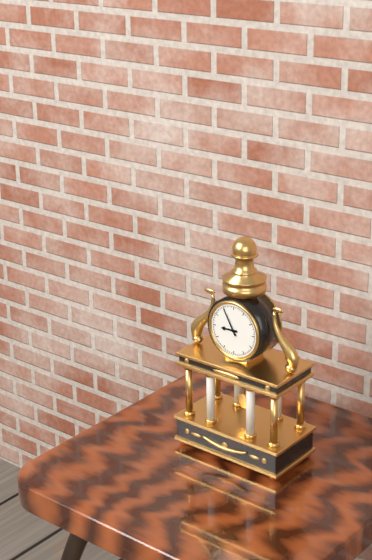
8:55
